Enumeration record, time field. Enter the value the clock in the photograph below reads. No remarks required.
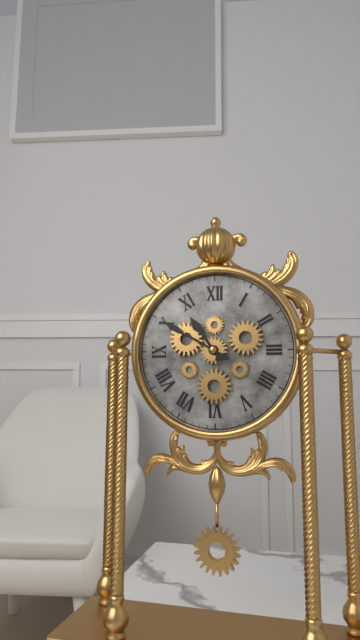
10:50
